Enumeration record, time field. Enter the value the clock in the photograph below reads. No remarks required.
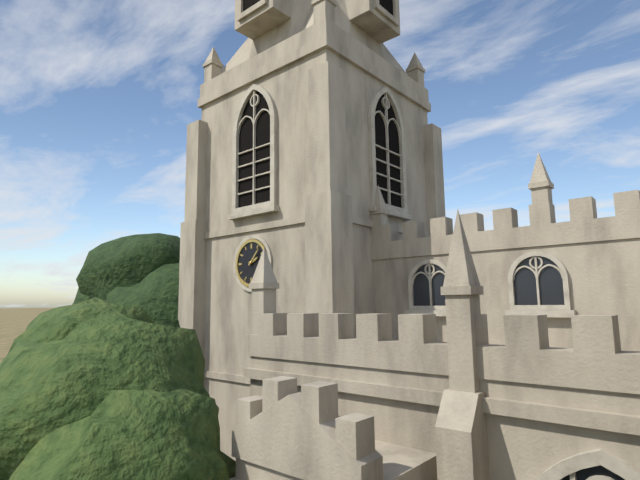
2:07
